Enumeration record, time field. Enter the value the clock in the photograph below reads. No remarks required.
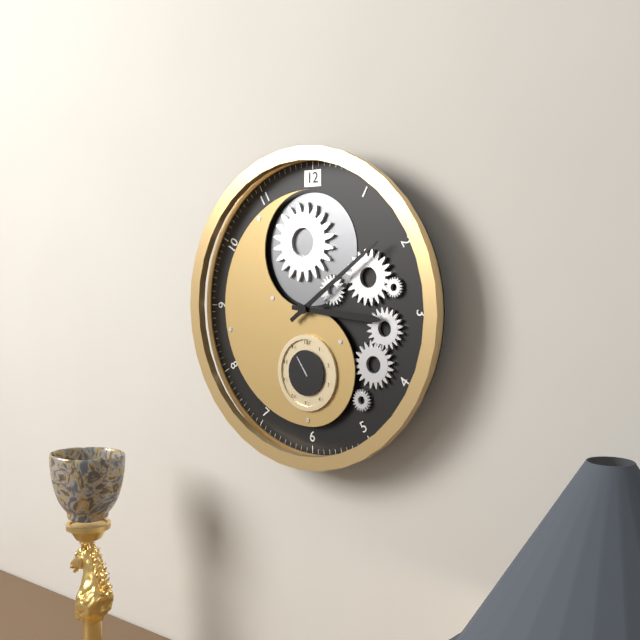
3:09
